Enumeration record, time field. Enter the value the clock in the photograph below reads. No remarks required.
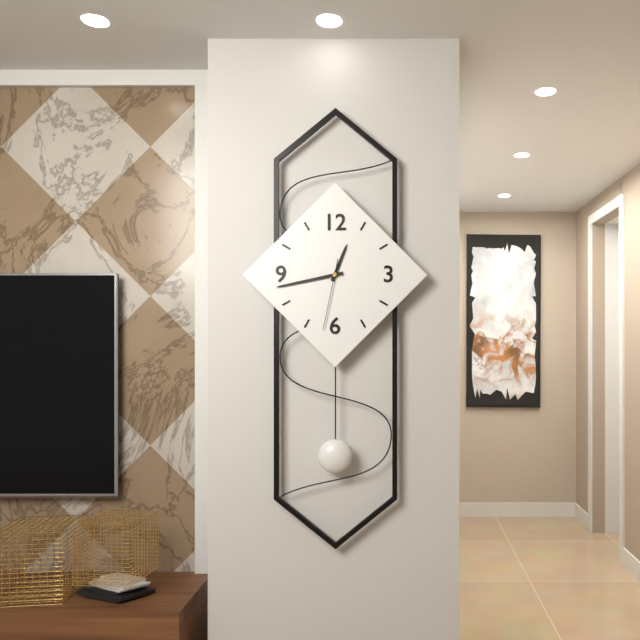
12:43:32
